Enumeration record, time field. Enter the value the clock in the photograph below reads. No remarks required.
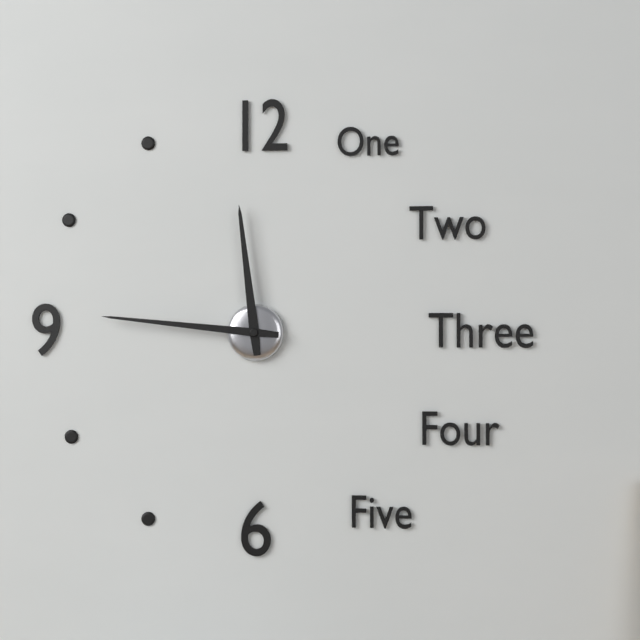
11:46
